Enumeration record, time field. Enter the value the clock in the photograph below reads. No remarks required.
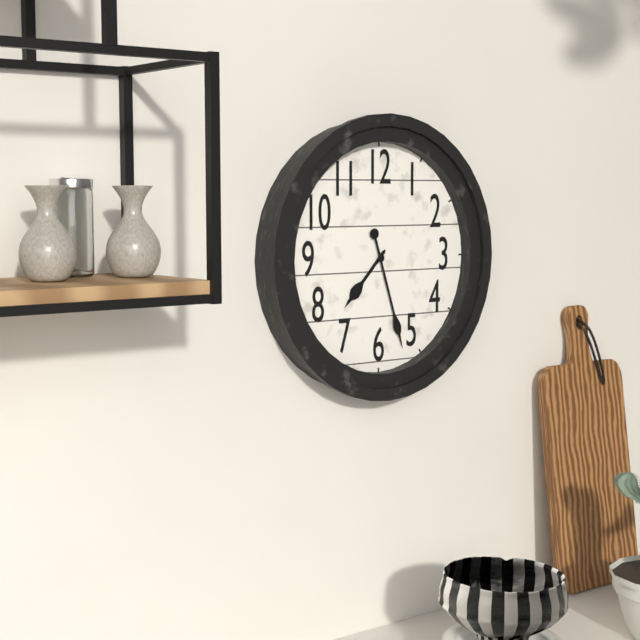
7:27
